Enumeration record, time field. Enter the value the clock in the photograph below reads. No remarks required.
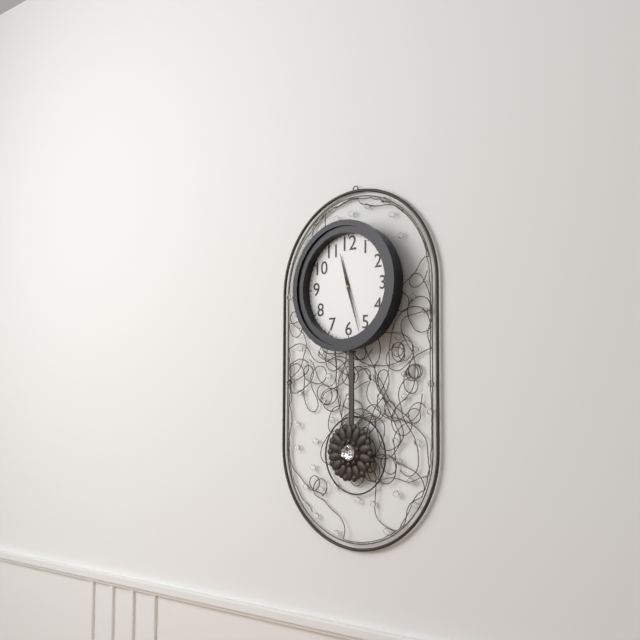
11:27
